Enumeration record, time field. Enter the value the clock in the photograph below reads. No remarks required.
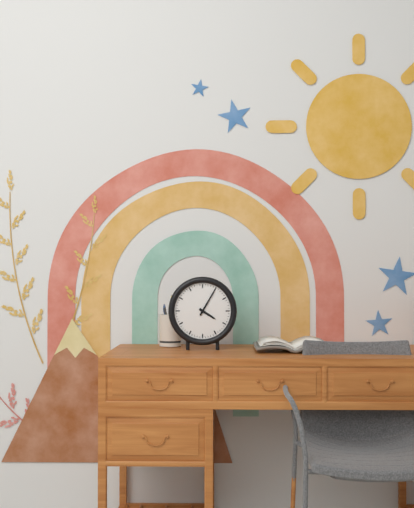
4:05
